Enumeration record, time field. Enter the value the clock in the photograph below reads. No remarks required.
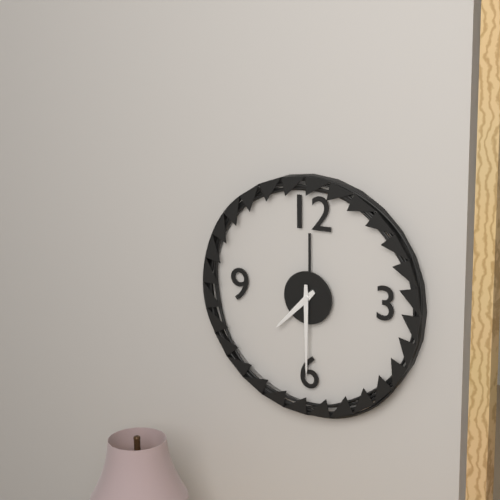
7:30
